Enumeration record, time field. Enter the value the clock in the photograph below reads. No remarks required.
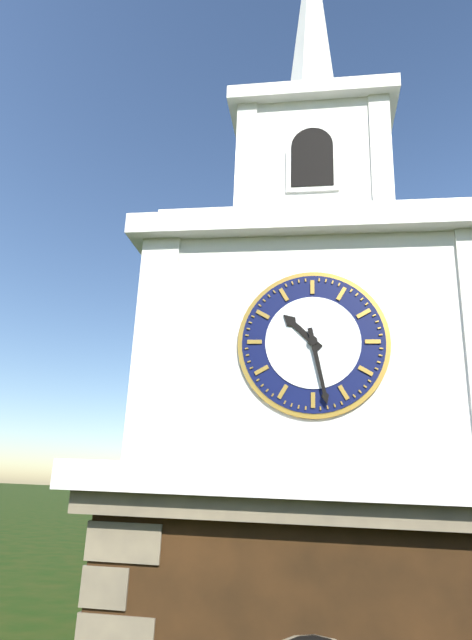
10:28
